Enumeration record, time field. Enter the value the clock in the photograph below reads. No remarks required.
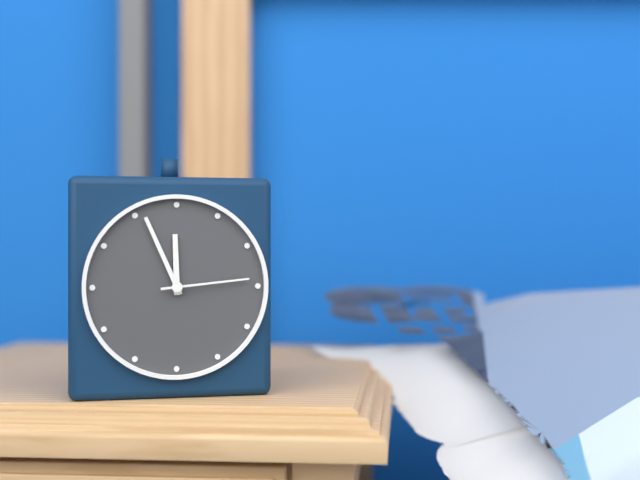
11:56:14
